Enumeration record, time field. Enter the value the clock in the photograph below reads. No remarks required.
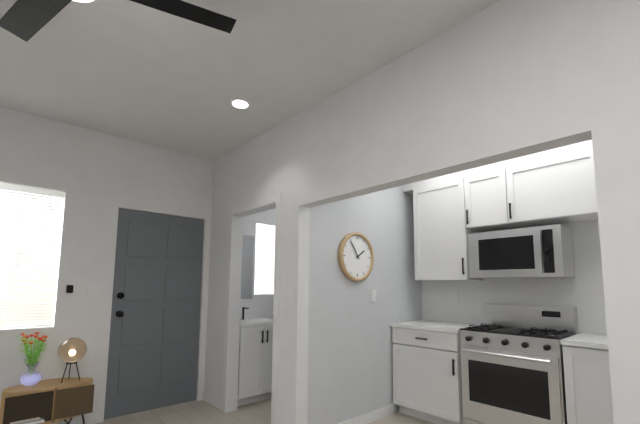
1:54
